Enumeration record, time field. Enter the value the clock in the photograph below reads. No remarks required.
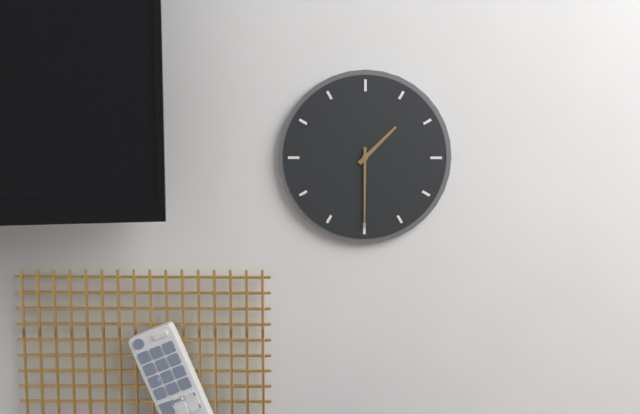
1:30
